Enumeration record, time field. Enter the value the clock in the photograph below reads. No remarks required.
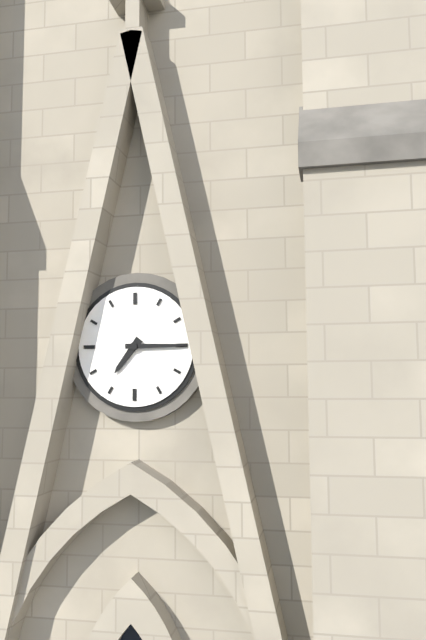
7:15
